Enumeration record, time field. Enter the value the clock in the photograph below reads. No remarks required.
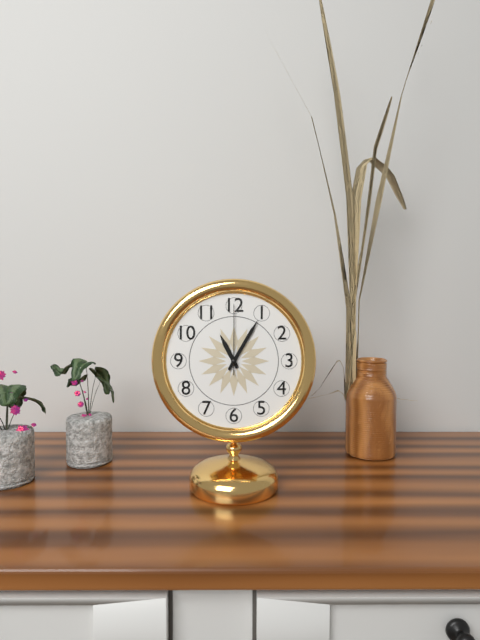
11:05:00
